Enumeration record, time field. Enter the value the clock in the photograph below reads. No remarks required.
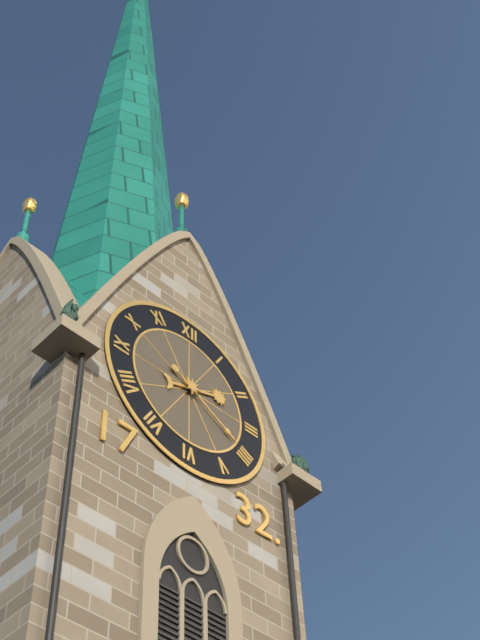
2:20
